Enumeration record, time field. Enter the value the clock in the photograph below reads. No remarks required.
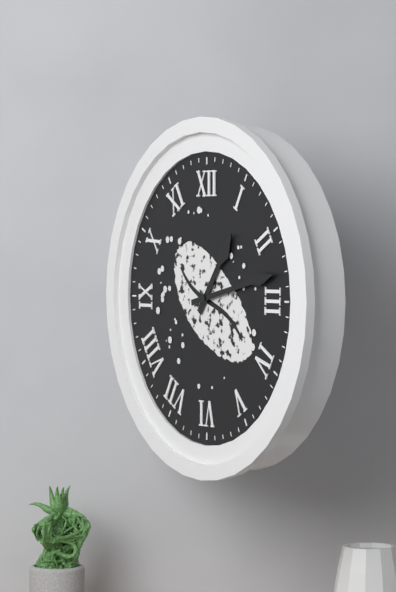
1:13
